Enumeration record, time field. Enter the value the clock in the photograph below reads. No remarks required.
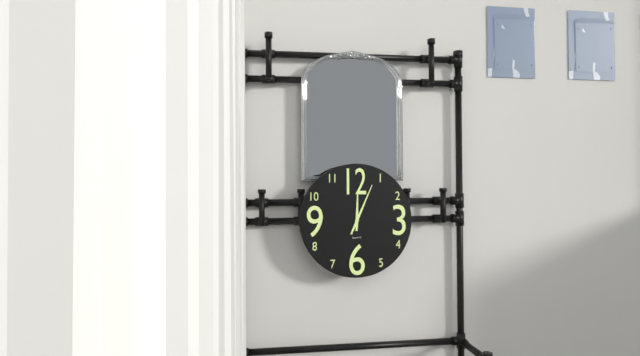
12:04
